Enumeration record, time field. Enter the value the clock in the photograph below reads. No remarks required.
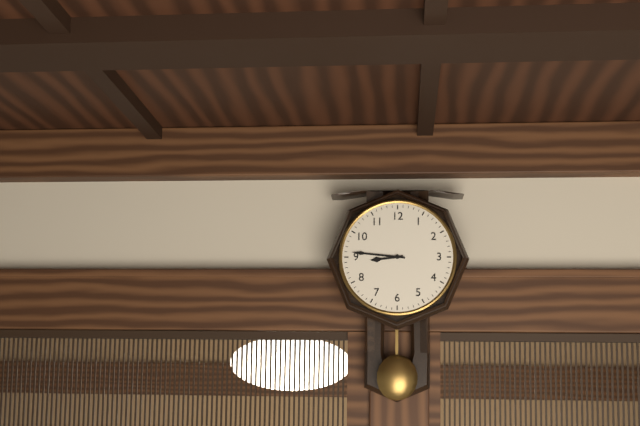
8:46
